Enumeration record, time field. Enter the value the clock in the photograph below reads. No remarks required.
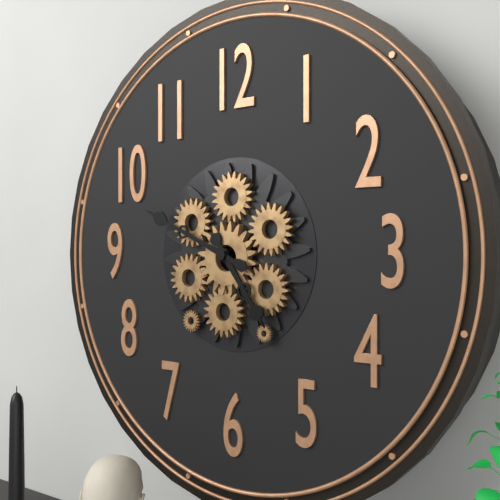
4:49
